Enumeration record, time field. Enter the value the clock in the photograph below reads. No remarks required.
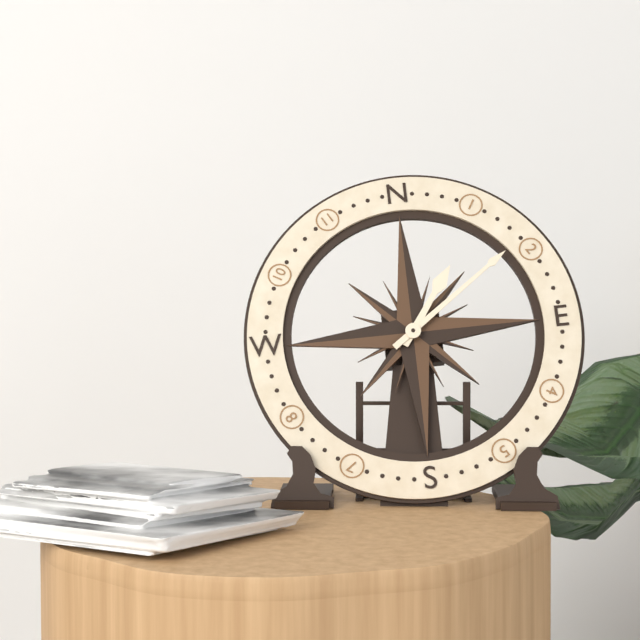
1:09
